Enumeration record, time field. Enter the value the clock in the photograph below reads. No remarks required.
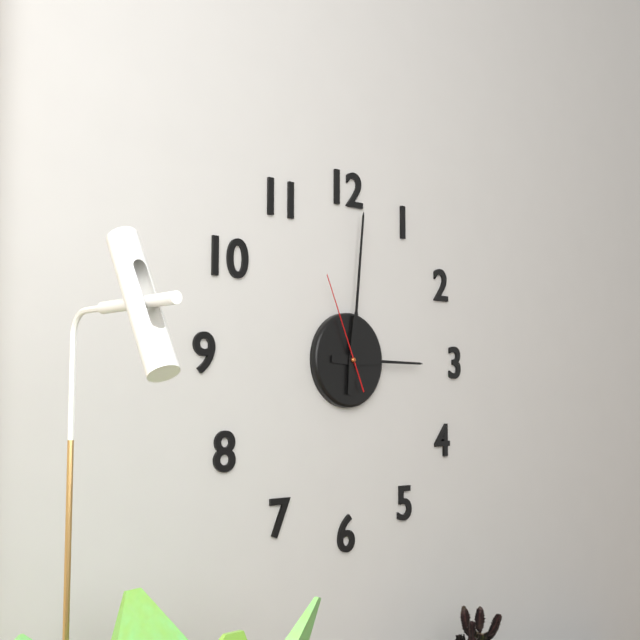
3:01:56
